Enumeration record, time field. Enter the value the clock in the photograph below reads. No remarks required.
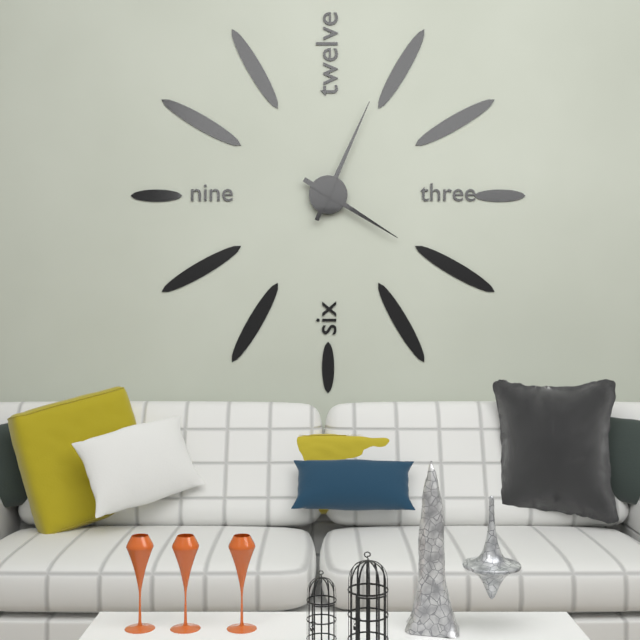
4:04
